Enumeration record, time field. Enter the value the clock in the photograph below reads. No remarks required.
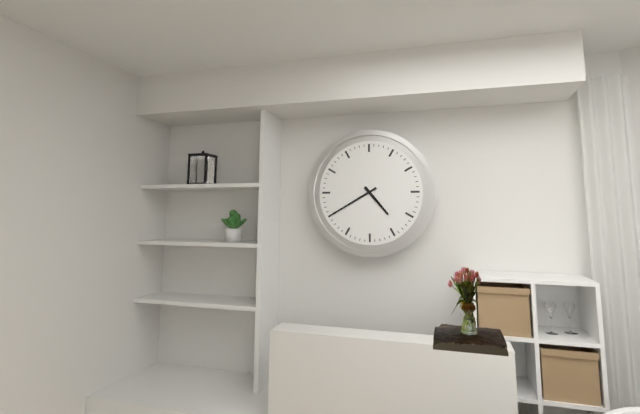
4:40
